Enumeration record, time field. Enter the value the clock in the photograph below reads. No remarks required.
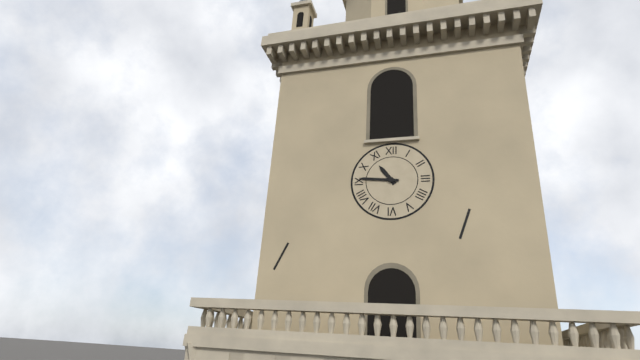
10:46
